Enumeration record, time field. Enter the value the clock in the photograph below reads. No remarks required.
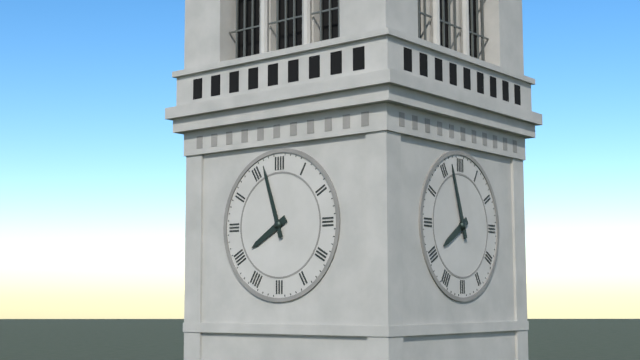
7:57
